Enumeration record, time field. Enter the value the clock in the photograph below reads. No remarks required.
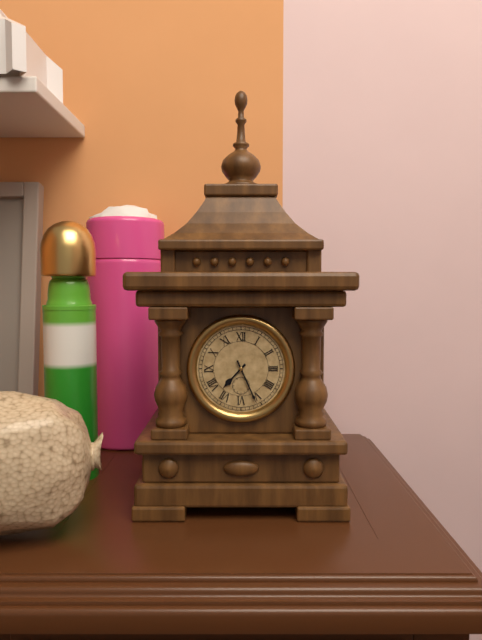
7:26
